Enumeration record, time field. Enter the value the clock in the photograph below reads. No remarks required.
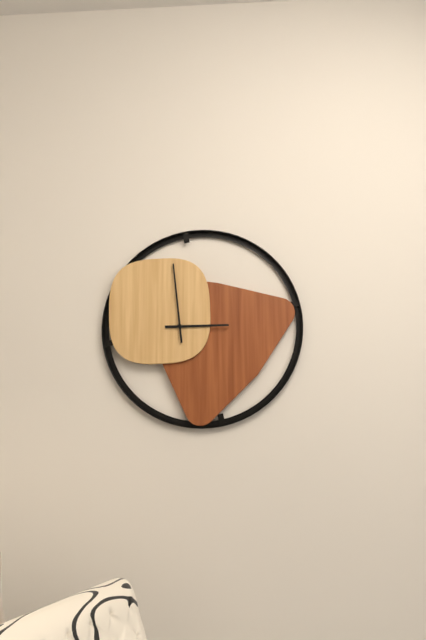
2:59
